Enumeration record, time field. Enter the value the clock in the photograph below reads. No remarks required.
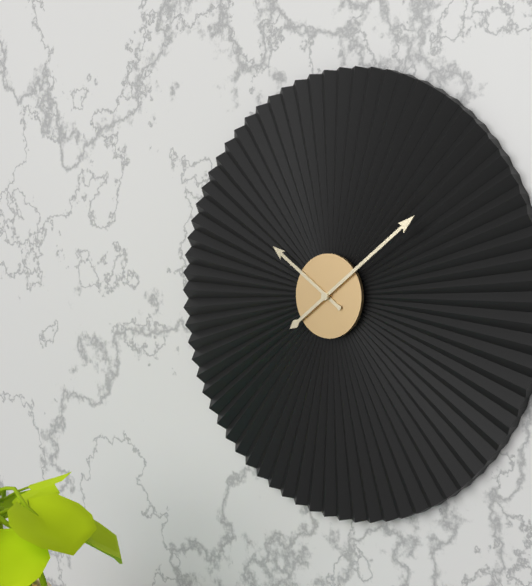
10:09
